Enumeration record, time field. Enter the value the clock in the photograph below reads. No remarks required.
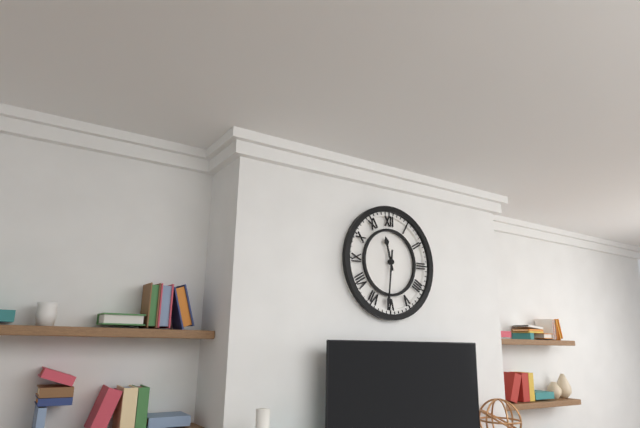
11:31
